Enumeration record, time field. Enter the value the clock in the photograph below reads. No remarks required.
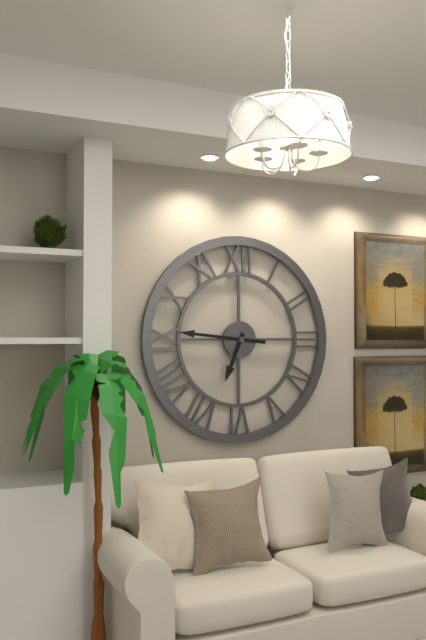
6:46
